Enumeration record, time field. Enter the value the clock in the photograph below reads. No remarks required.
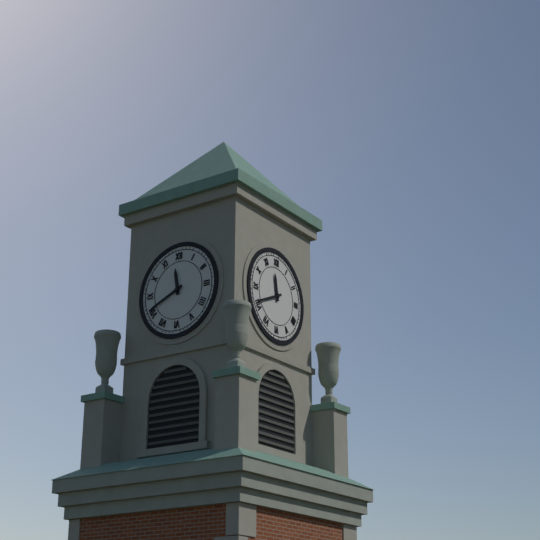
11:41
